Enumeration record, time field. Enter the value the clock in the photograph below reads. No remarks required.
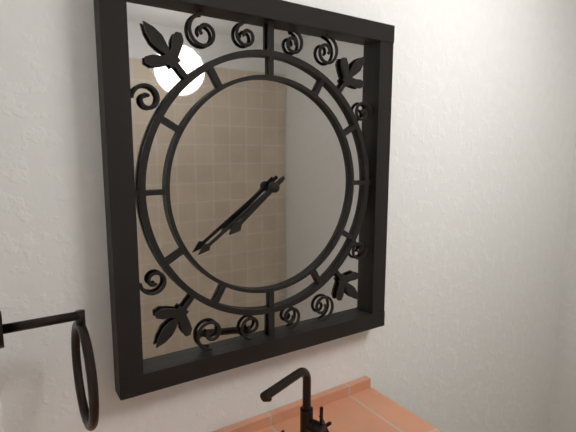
7:39
